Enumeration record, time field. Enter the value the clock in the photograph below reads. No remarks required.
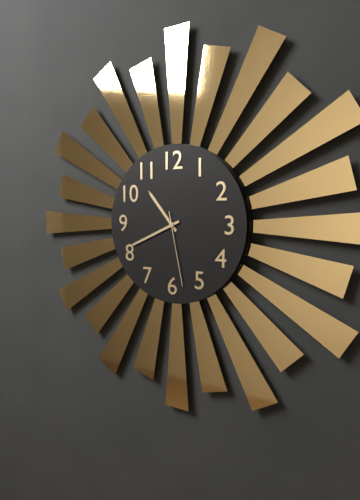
10:41:28
